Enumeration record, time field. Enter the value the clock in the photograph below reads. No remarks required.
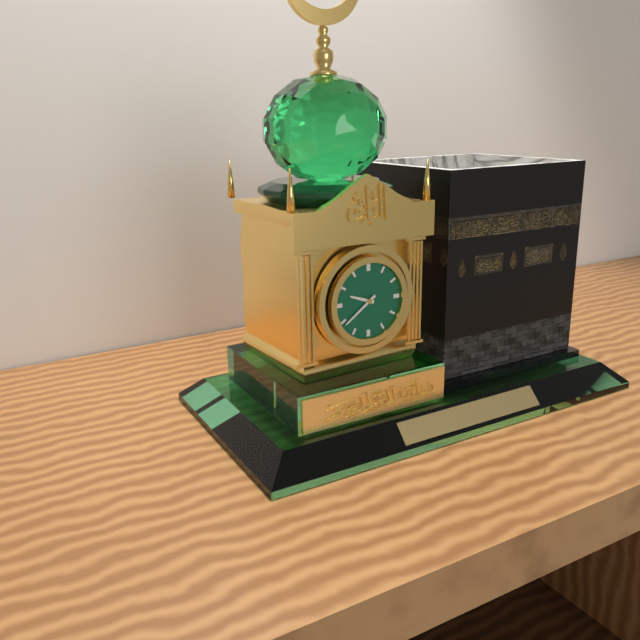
9:39
